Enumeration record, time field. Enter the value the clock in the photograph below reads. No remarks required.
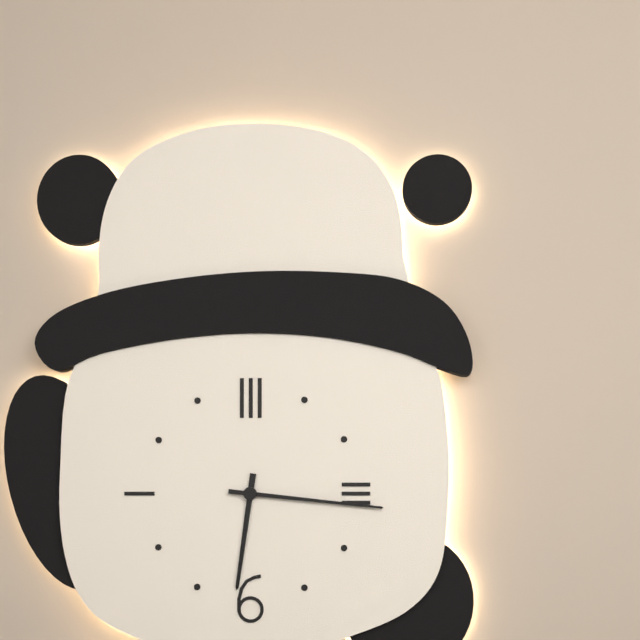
6:16
